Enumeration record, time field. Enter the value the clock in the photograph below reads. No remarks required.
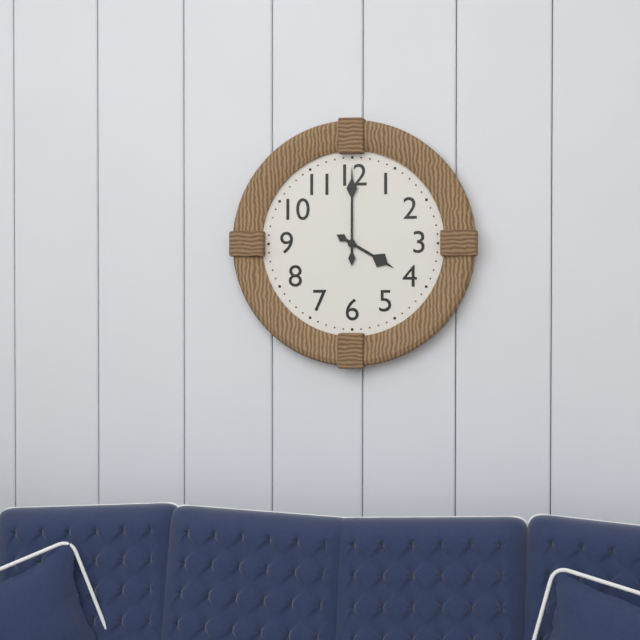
4:00
